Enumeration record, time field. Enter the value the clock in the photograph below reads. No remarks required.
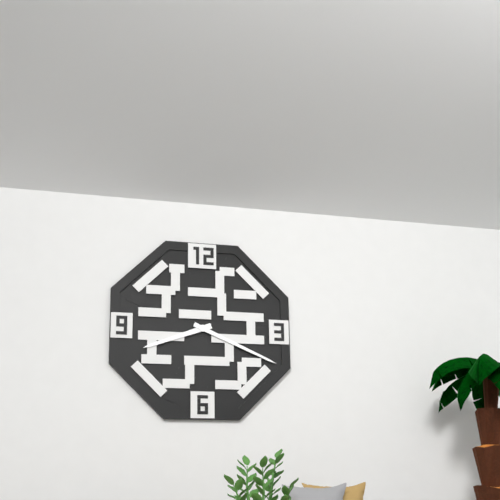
8:19
